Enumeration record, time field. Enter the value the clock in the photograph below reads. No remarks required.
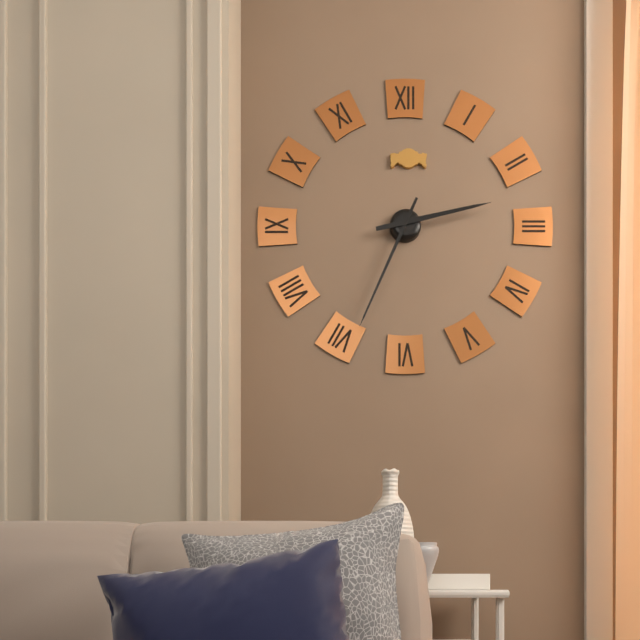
2:34
